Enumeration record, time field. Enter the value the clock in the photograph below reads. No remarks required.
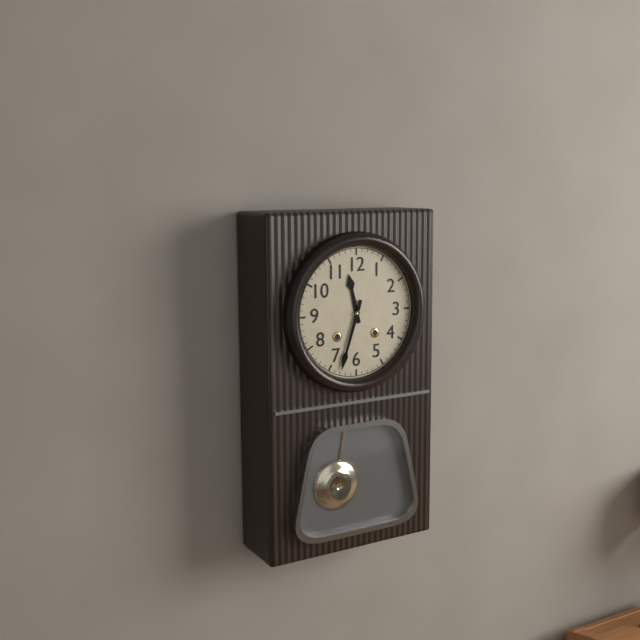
11:33
